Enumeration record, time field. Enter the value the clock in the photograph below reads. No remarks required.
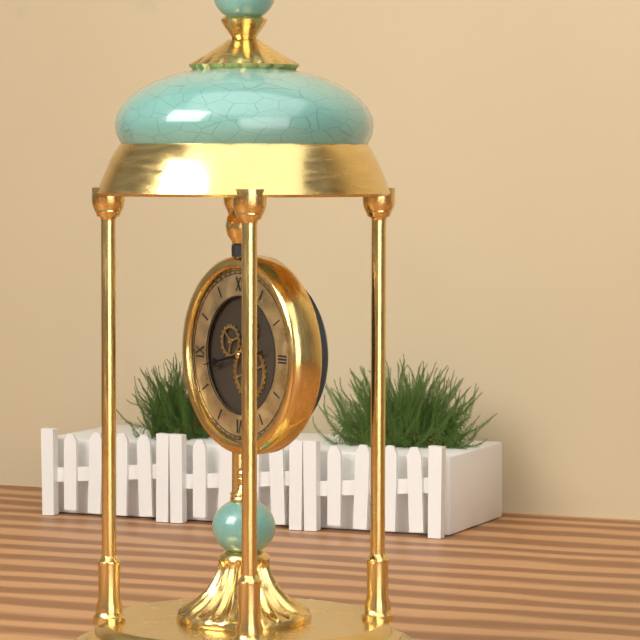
2:43
